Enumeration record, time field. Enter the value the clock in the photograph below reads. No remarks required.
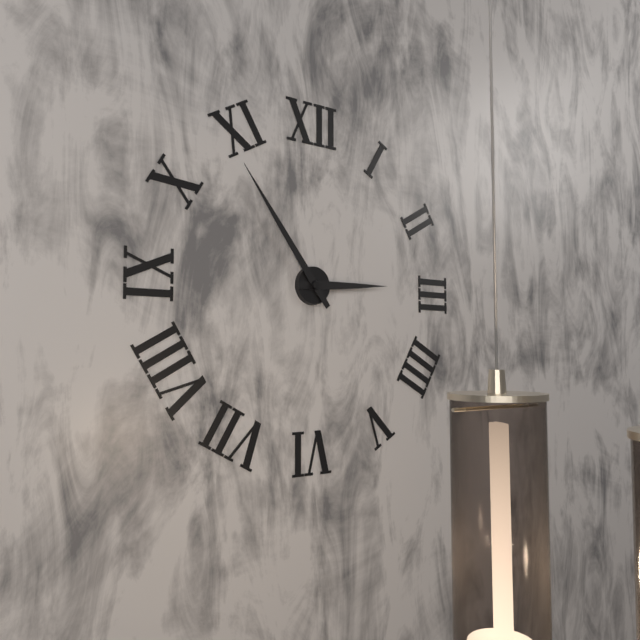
2:54
